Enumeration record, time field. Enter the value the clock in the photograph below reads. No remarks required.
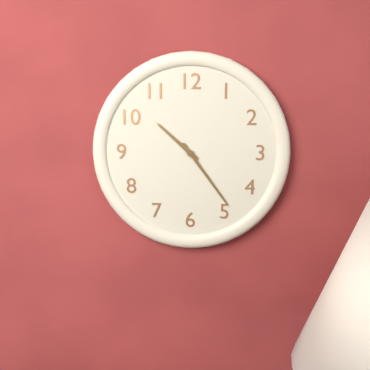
10:24
